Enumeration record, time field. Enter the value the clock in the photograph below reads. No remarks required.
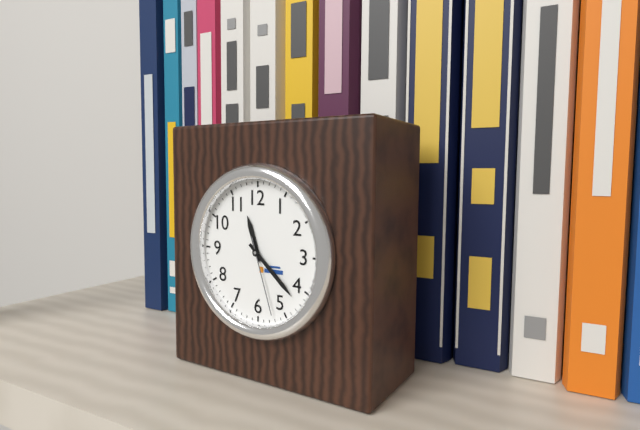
11:22:27
